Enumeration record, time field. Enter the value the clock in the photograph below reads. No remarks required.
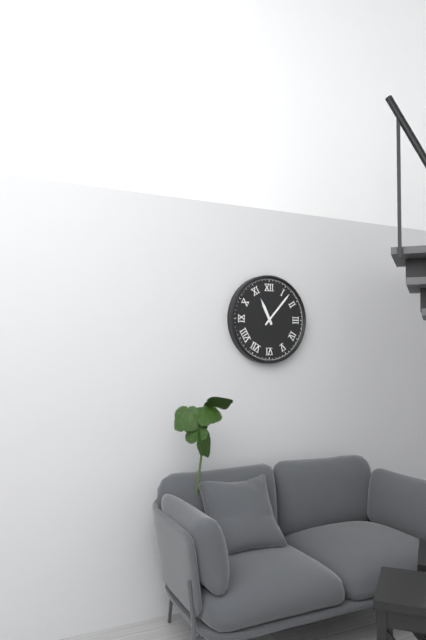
11:07
